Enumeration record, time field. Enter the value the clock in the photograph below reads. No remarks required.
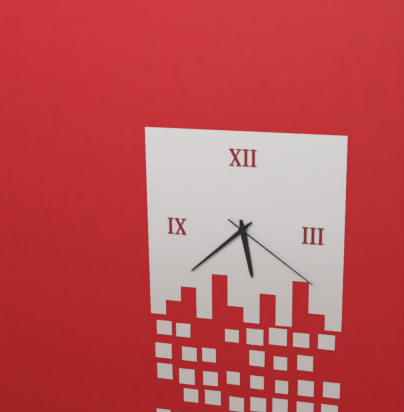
5:38:21
